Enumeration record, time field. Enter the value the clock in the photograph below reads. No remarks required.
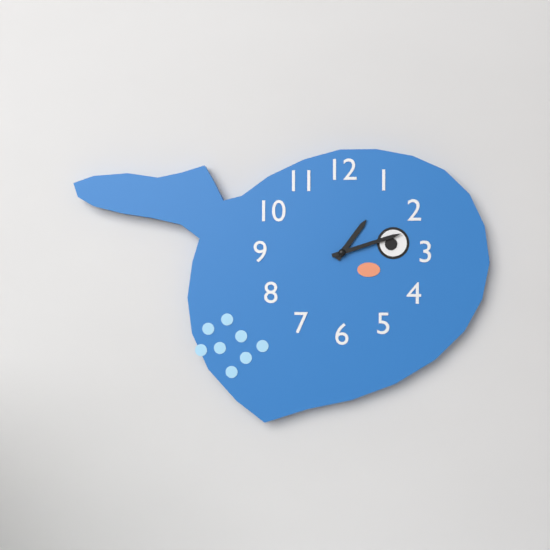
1:12
